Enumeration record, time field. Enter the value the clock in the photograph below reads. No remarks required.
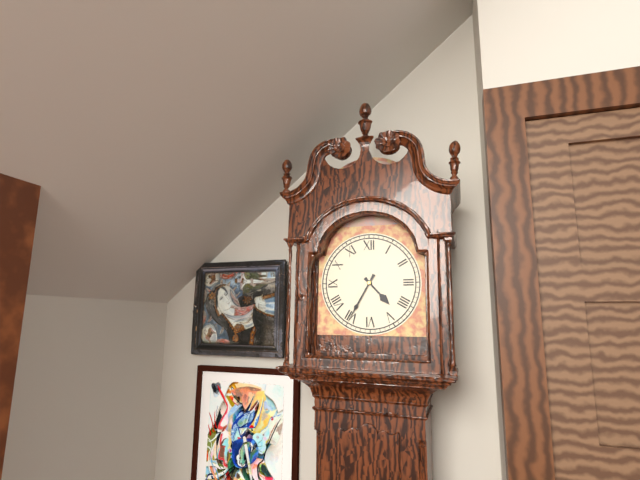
4:35
